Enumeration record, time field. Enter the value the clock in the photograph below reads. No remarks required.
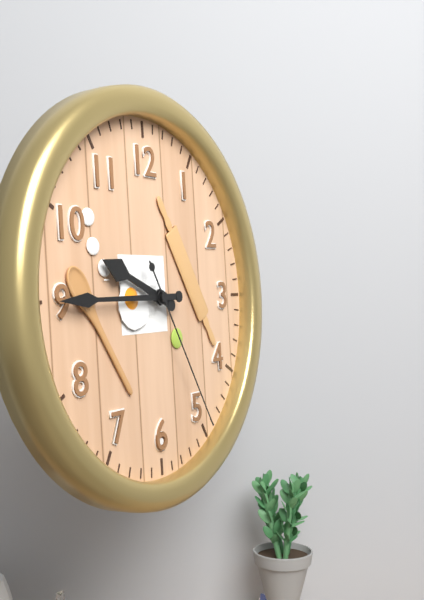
9:45:25
